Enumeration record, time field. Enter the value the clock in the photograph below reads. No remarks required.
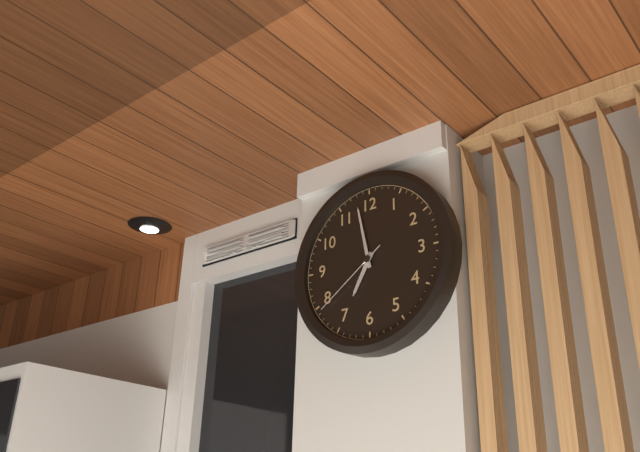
6:58:39
